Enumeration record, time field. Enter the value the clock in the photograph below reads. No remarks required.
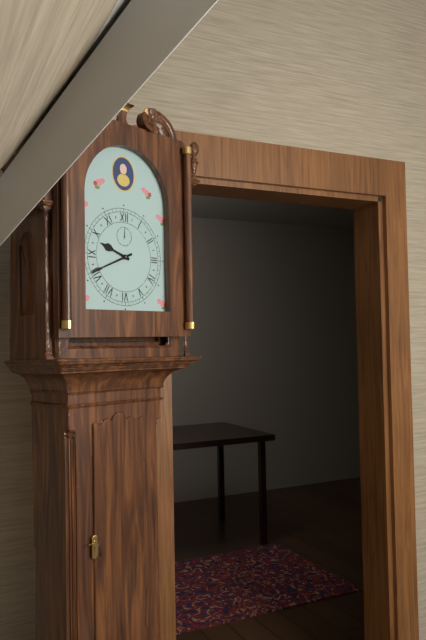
9:41
